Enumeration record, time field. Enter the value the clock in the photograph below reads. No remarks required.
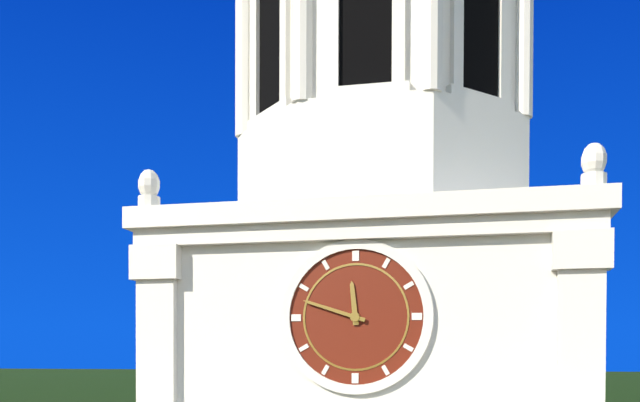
11:48
